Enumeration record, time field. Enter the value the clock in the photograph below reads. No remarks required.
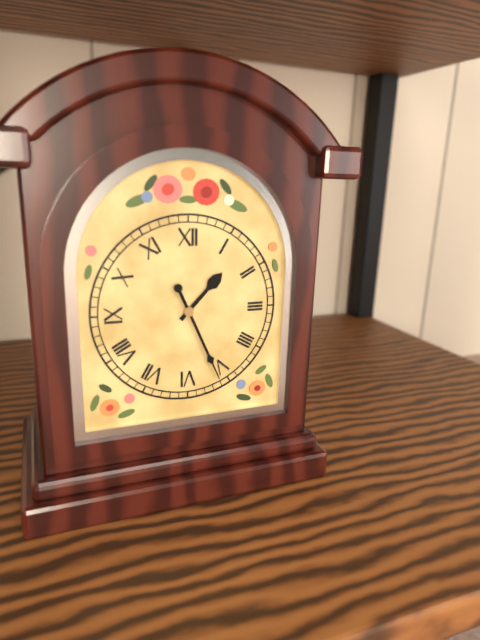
1:26
